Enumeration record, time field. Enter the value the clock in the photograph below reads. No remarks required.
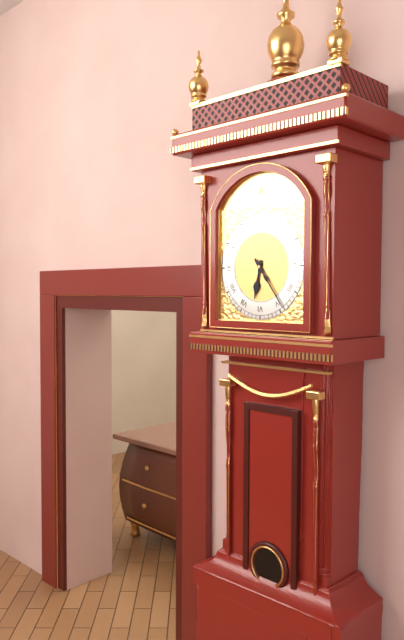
6:24
